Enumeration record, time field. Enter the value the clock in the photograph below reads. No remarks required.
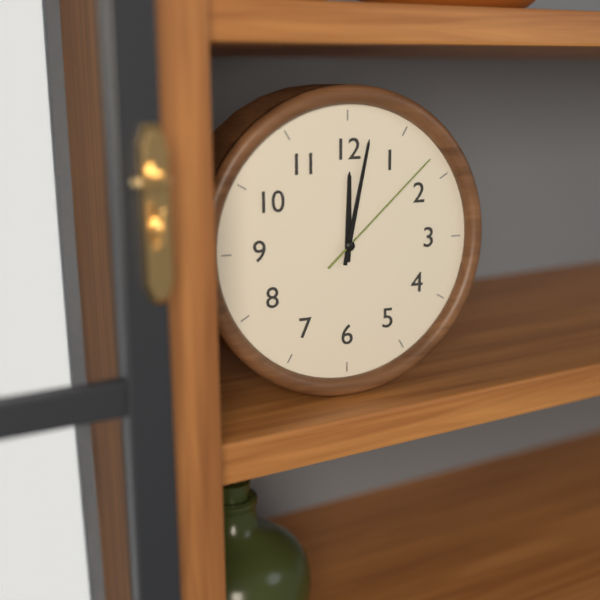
12:02:08
